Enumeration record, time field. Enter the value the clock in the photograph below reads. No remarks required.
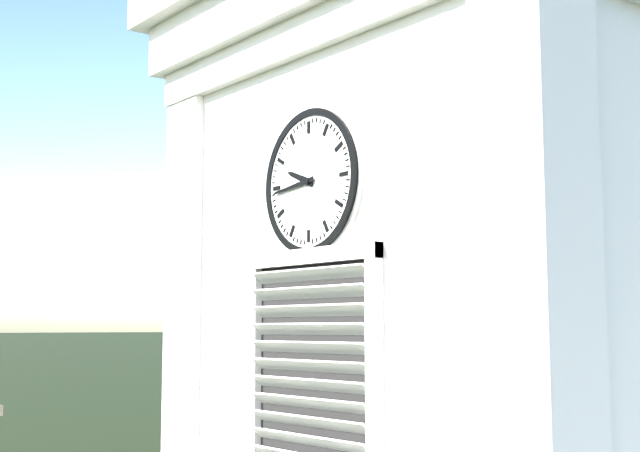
9:44
